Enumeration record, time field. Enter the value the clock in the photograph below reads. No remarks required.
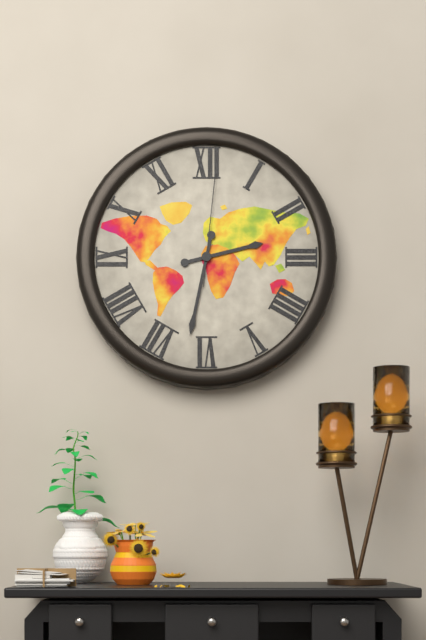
2:32:01
